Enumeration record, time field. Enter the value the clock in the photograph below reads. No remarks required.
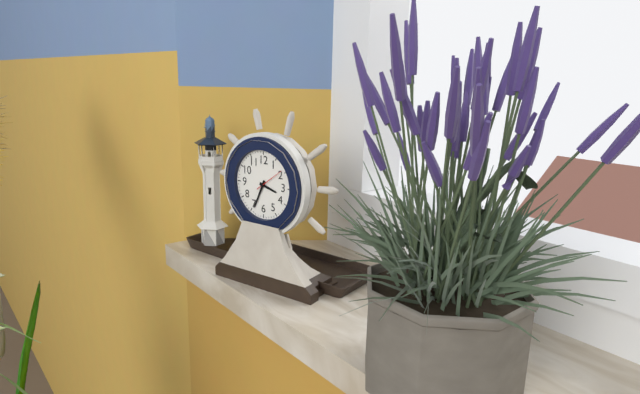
3:34
